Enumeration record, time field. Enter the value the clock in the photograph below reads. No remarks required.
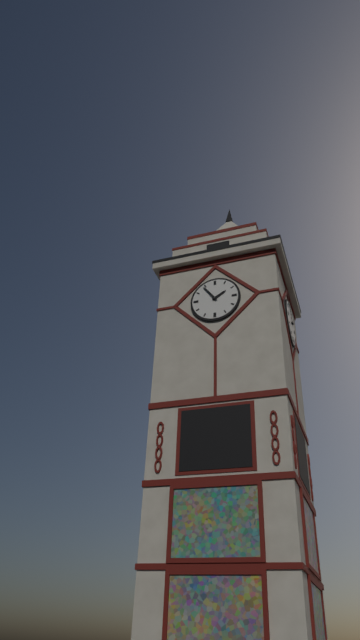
1:54
